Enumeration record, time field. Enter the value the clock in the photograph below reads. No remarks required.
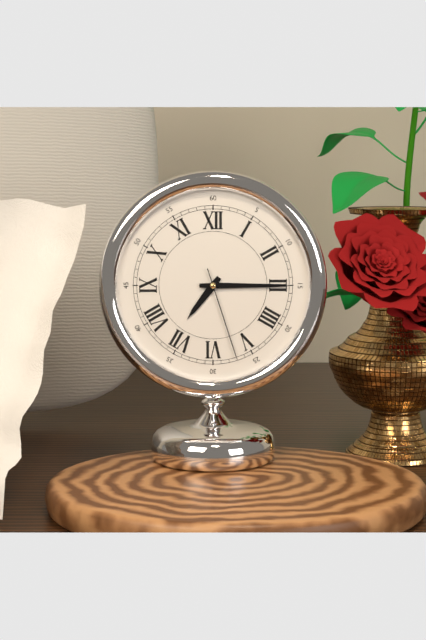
7:15:27
